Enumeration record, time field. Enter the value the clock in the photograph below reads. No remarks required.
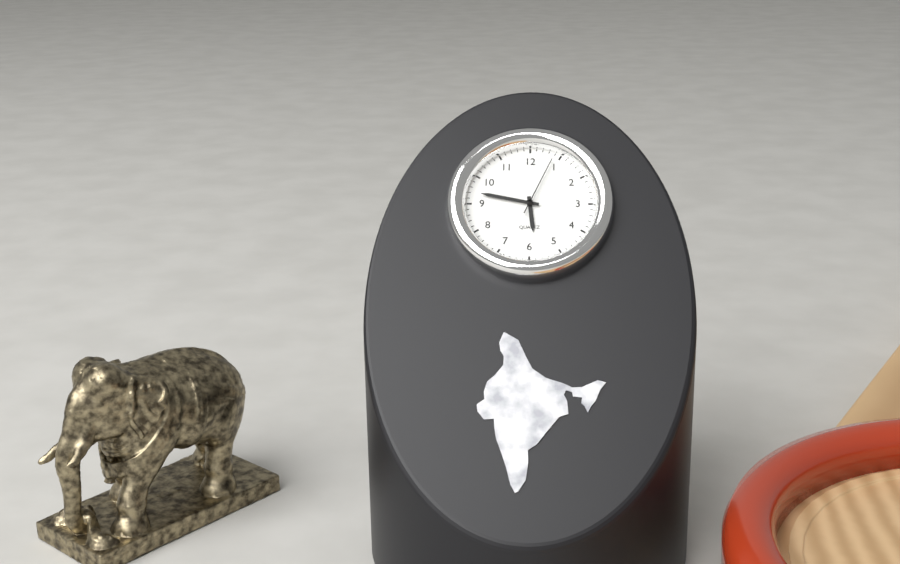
5:47:04
